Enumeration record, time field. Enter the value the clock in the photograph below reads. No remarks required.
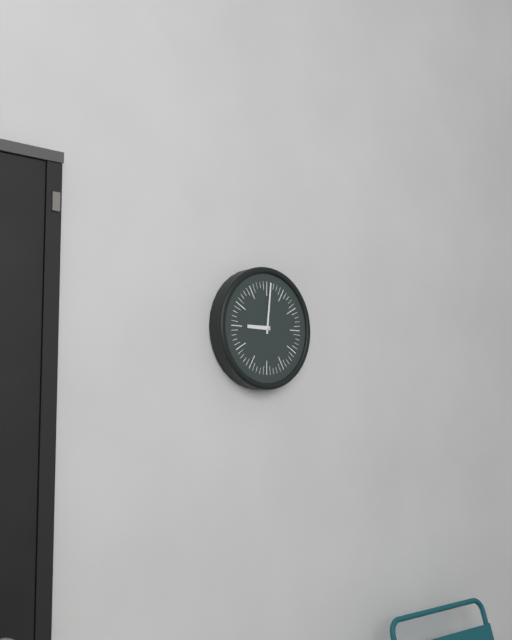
9:01
